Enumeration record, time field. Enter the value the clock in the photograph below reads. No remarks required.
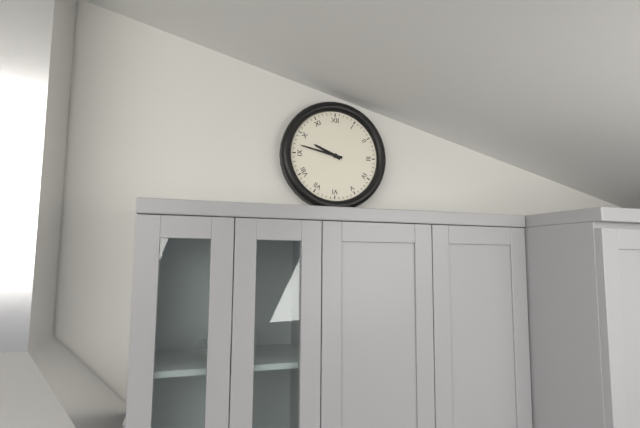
9:47
